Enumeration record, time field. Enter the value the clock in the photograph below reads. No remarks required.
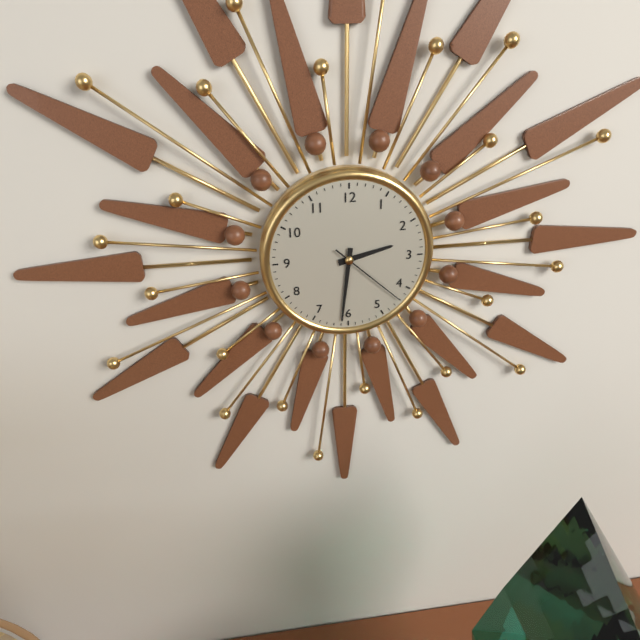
2:31:22
